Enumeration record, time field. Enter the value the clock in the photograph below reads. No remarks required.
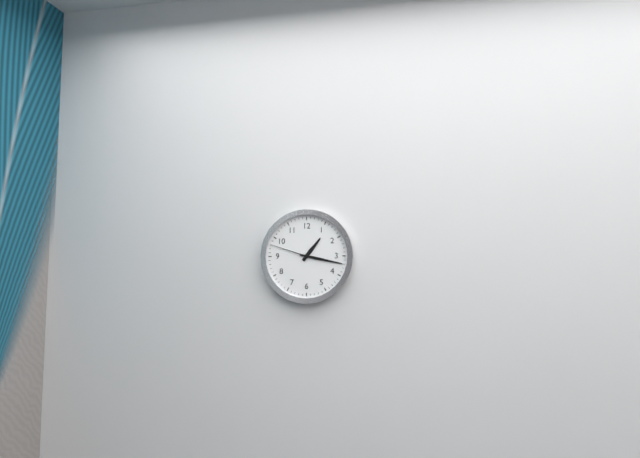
1:17
